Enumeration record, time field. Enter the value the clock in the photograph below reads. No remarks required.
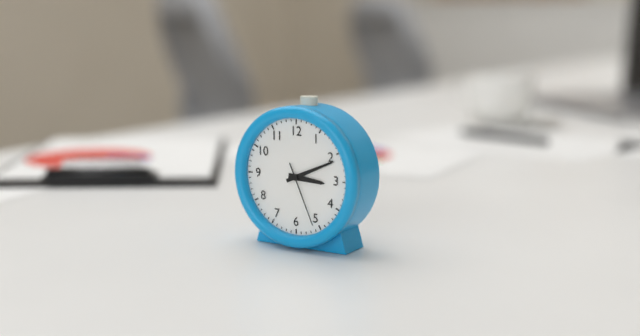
3:11:26
